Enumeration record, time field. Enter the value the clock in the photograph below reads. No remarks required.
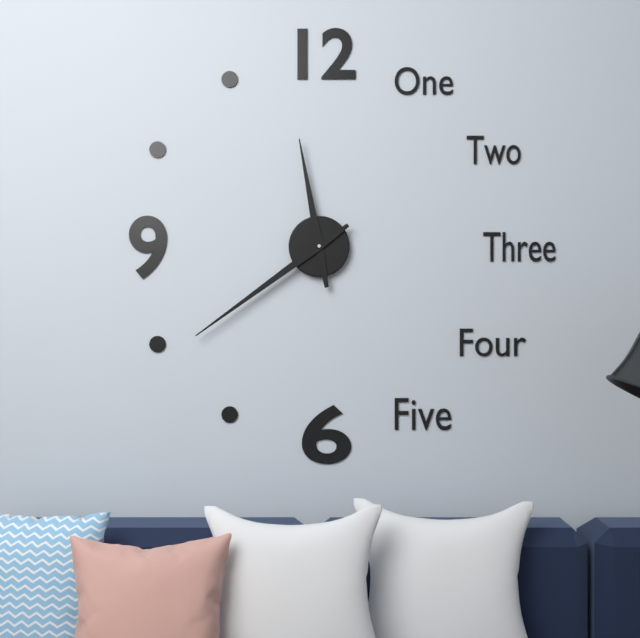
11:39
